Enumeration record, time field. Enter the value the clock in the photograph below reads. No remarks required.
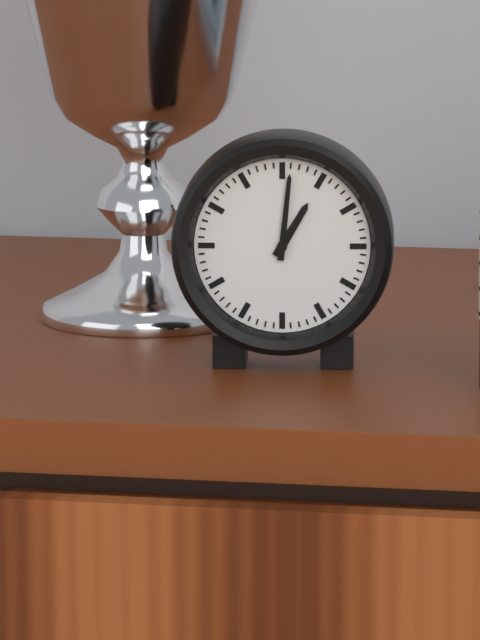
1:01
